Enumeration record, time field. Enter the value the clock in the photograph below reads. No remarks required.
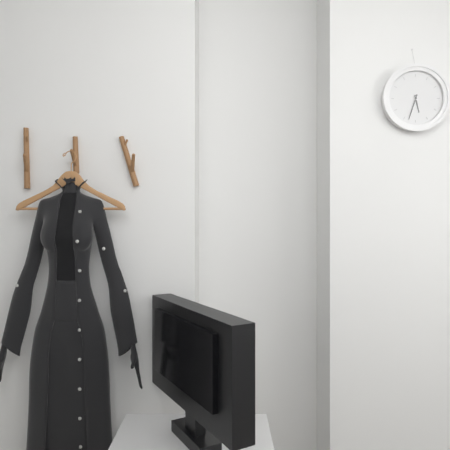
5:33
